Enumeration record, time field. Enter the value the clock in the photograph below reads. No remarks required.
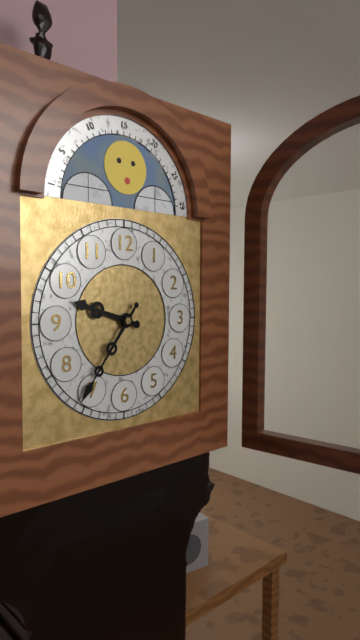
9:36
